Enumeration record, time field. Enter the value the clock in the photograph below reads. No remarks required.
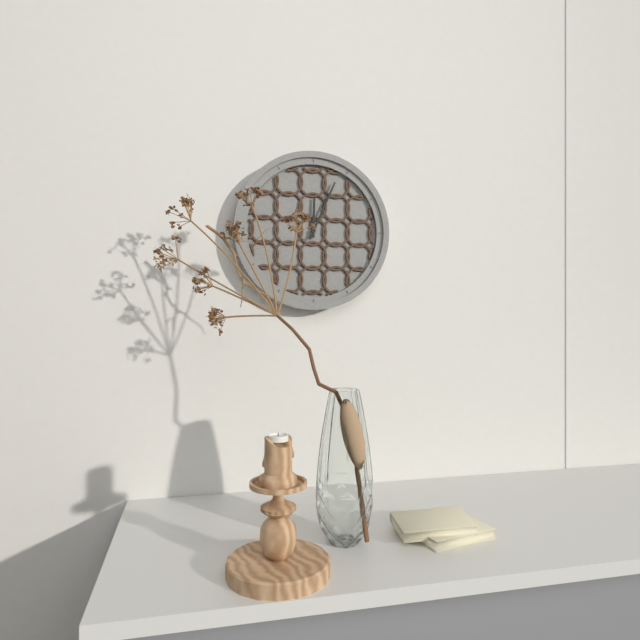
12:04
